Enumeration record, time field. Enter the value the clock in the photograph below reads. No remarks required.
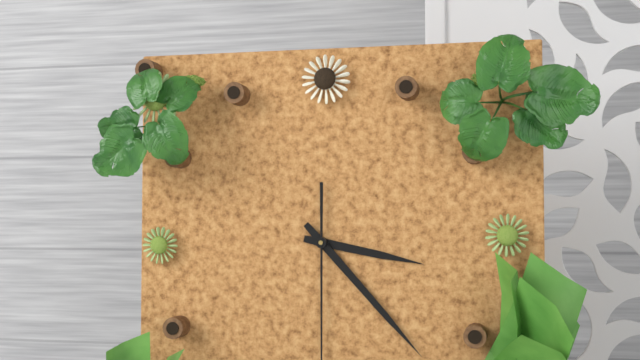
3:23
